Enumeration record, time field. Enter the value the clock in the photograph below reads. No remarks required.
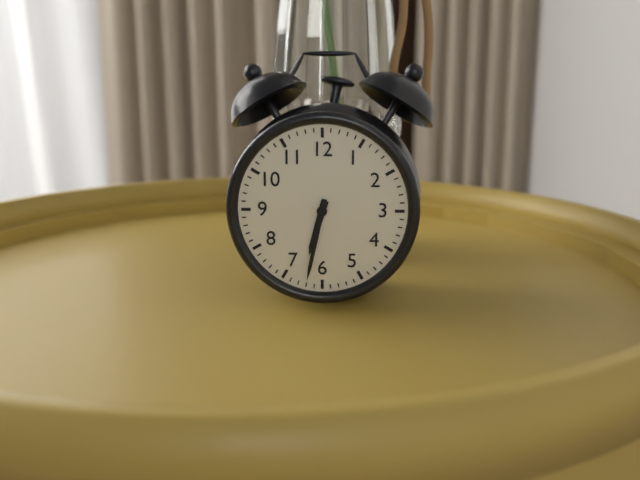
6:32
